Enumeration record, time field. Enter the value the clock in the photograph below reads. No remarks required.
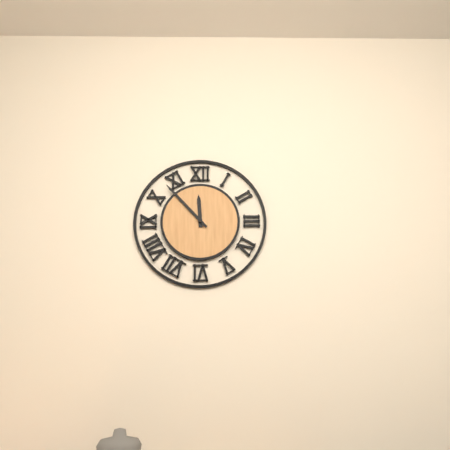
11:53
